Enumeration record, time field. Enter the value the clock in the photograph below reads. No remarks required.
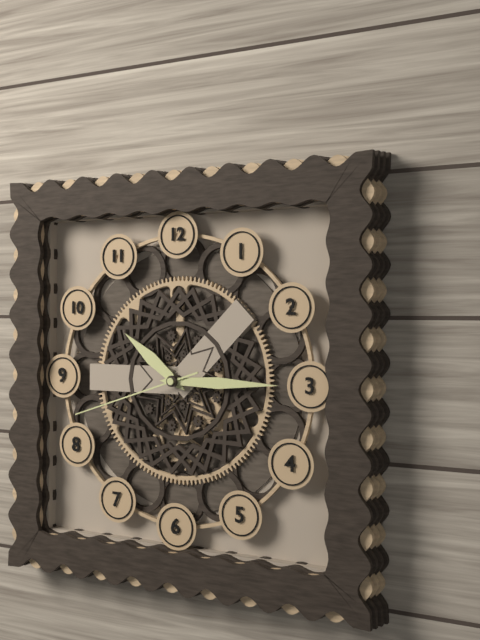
10:15:42
